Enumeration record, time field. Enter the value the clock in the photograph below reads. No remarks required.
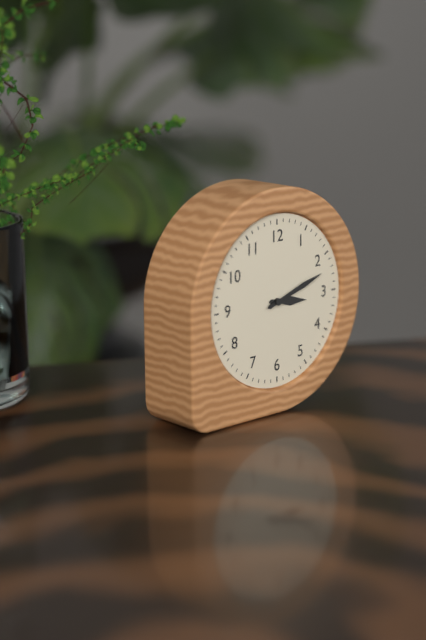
3:12
